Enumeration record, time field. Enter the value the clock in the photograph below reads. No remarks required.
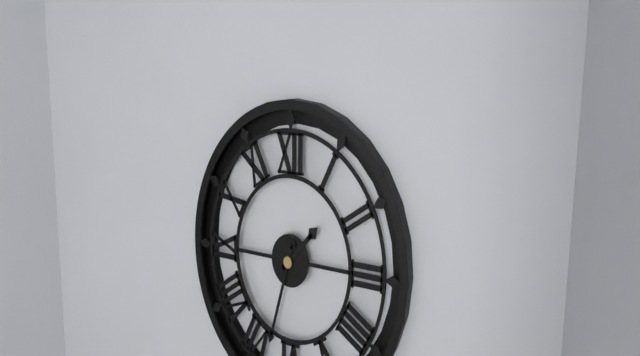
1:33
